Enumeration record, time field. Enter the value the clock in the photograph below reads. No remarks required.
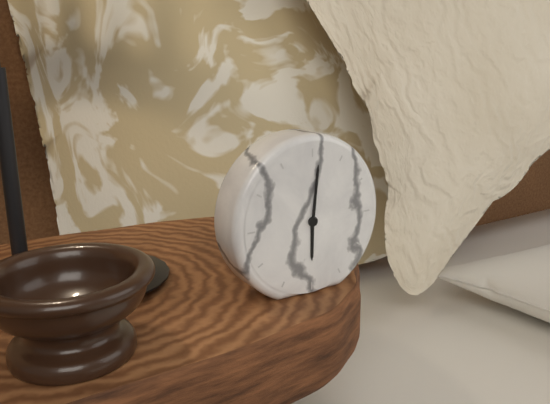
6:01
